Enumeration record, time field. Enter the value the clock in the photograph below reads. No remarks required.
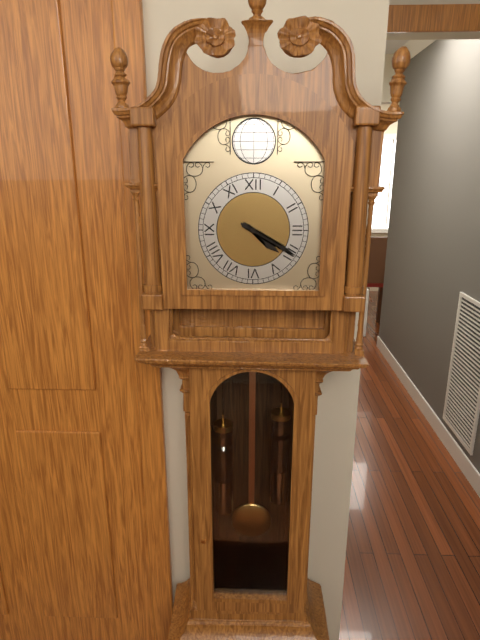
4:20
